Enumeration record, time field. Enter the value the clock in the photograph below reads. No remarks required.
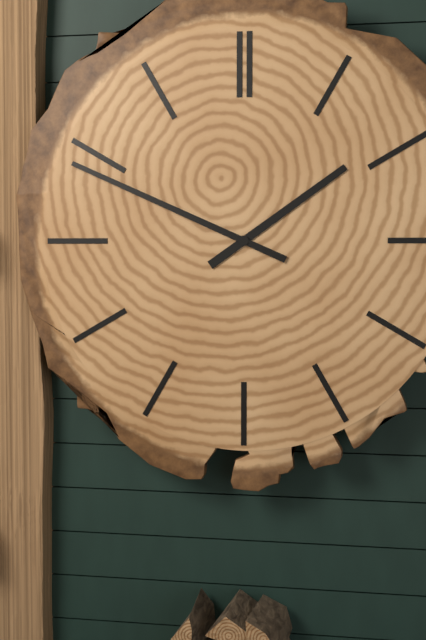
1:49
